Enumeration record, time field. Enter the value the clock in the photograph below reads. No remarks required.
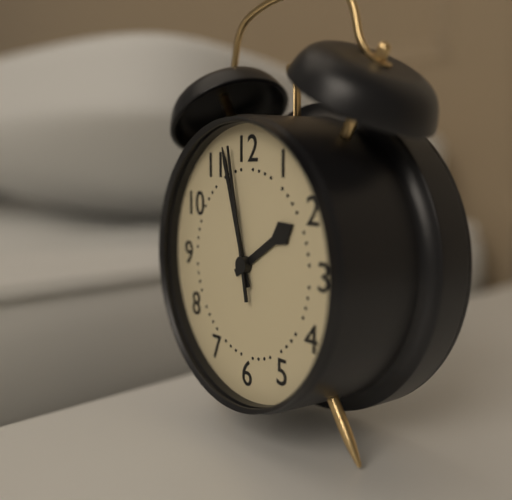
1:57:58
